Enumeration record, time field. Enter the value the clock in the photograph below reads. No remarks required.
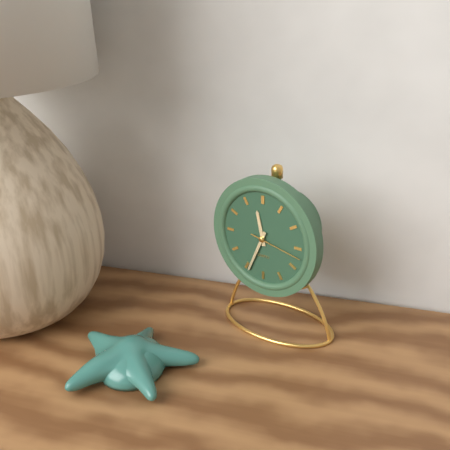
11:34
